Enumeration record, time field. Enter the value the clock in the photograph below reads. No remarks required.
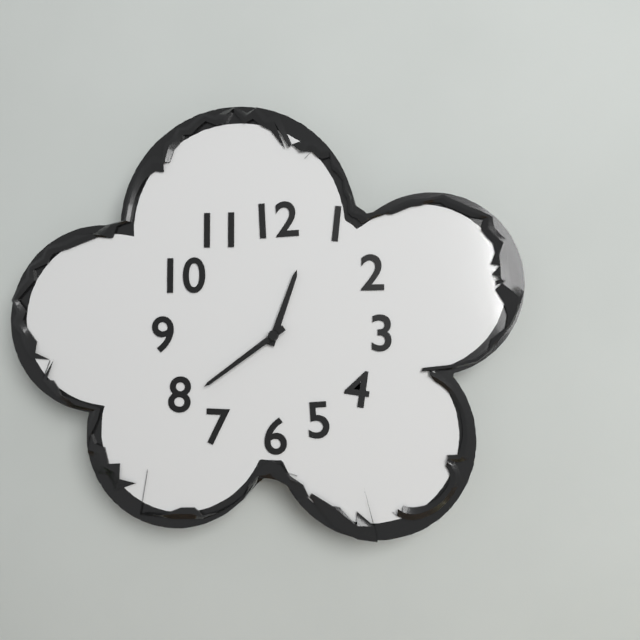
12:39
